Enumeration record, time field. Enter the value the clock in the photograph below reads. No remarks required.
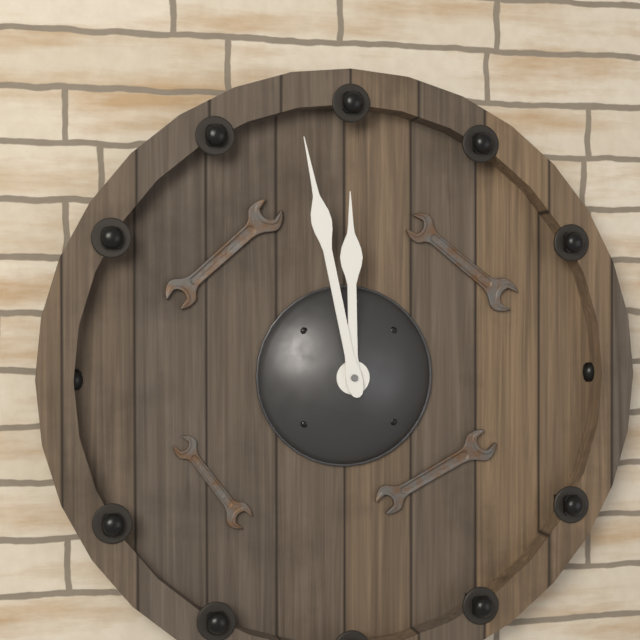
11:58
